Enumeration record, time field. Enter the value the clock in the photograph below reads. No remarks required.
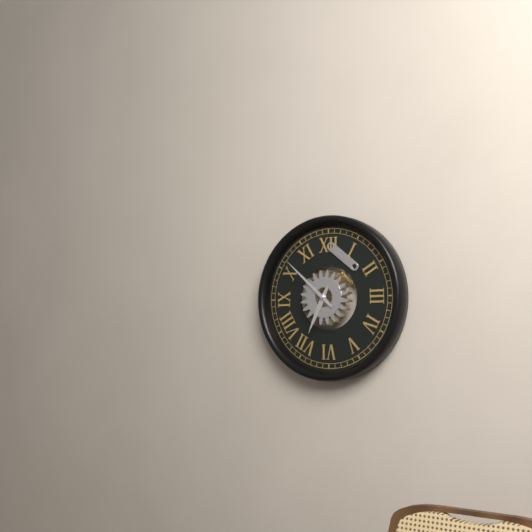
6:52
